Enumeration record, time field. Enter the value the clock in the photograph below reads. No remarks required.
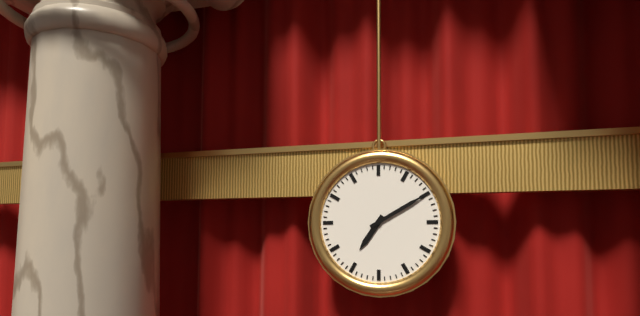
7:10
